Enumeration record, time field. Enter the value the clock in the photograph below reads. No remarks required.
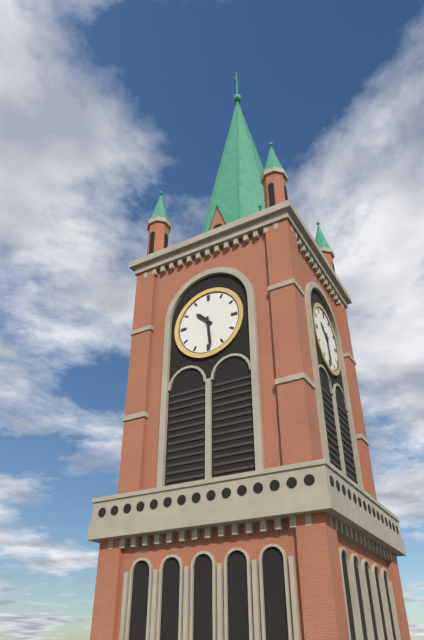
10:29
